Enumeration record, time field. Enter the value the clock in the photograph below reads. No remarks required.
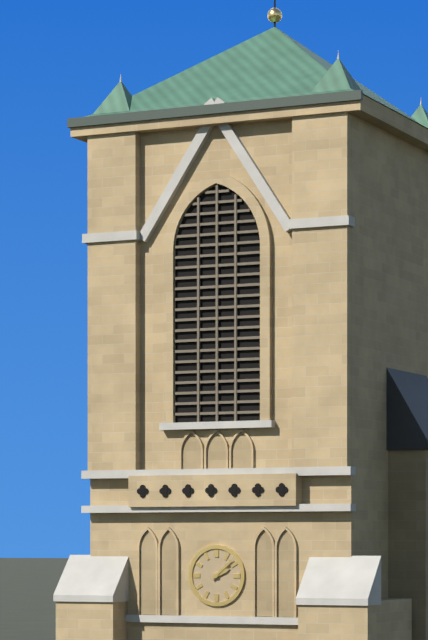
2:08
